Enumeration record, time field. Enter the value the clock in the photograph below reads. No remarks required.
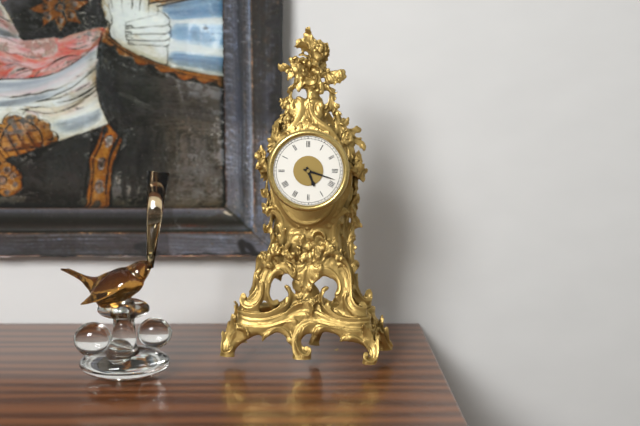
5:18
